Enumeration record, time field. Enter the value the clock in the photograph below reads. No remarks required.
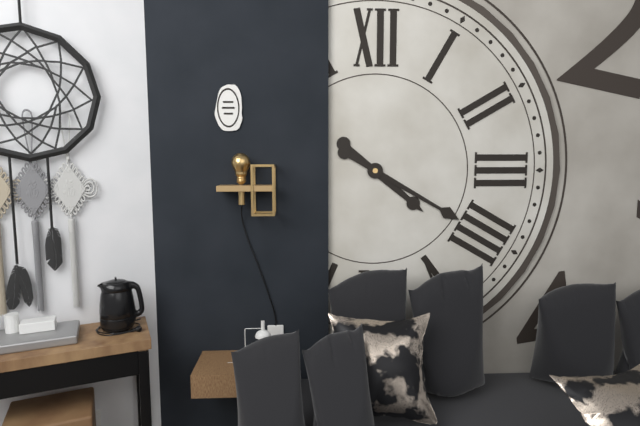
4:20
